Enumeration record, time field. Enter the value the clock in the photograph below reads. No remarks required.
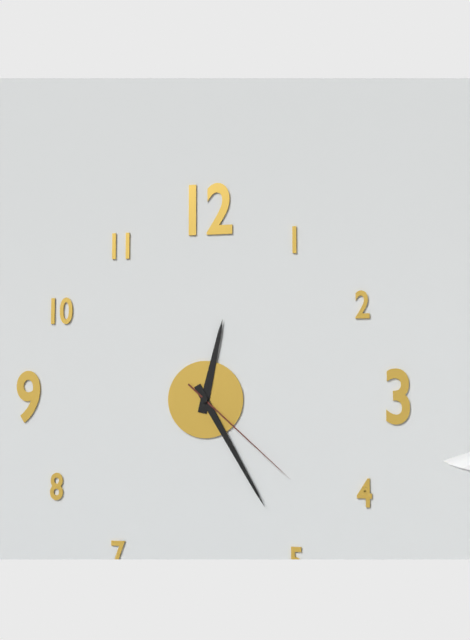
12:25:22
